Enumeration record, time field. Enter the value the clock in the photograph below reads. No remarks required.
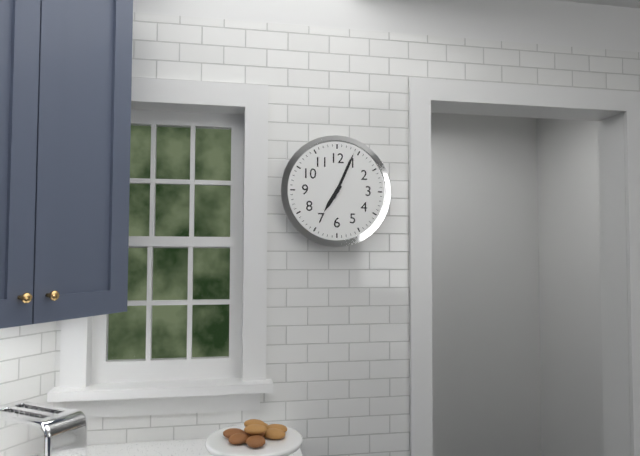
7:04
